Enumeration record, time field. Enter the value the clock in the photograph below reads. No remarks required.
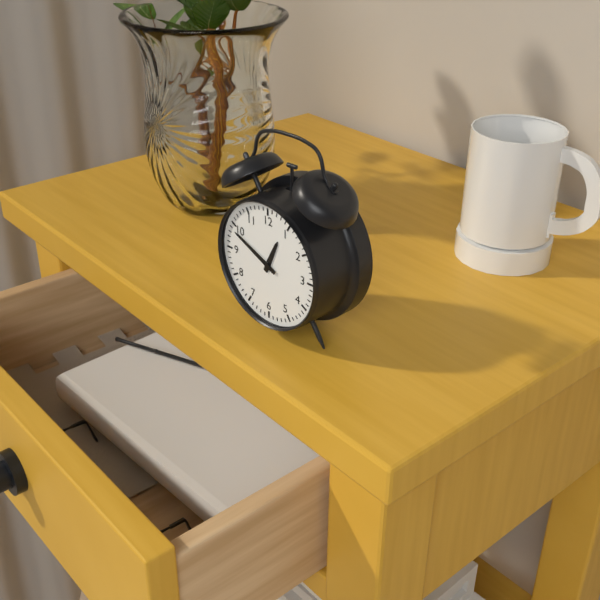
12:49
